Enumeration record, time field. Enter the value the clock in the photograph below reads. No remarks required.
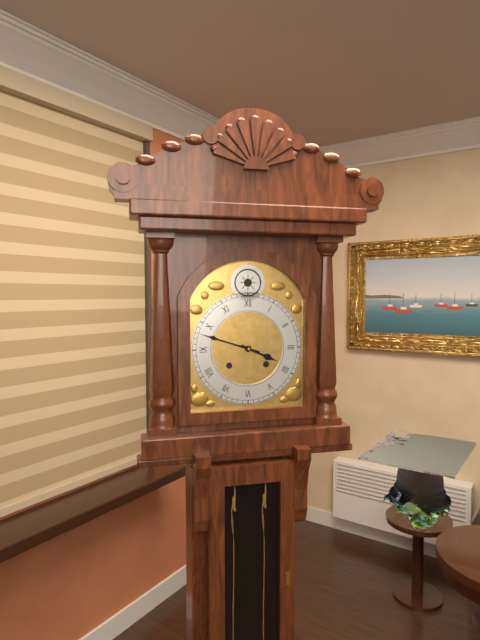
3:48
